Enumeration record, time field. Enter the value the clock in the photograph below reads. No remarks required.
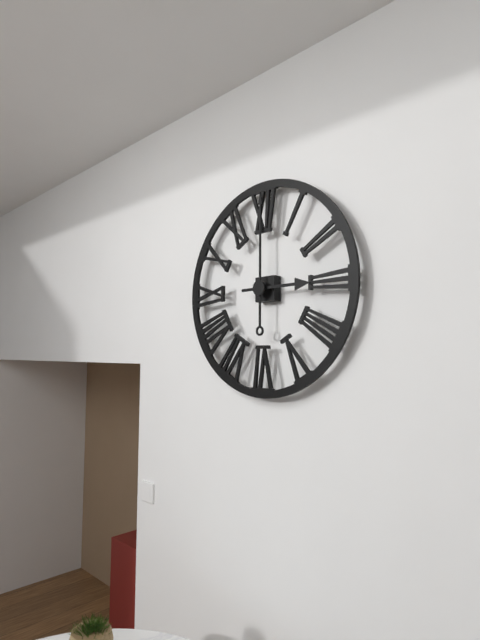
3:00
